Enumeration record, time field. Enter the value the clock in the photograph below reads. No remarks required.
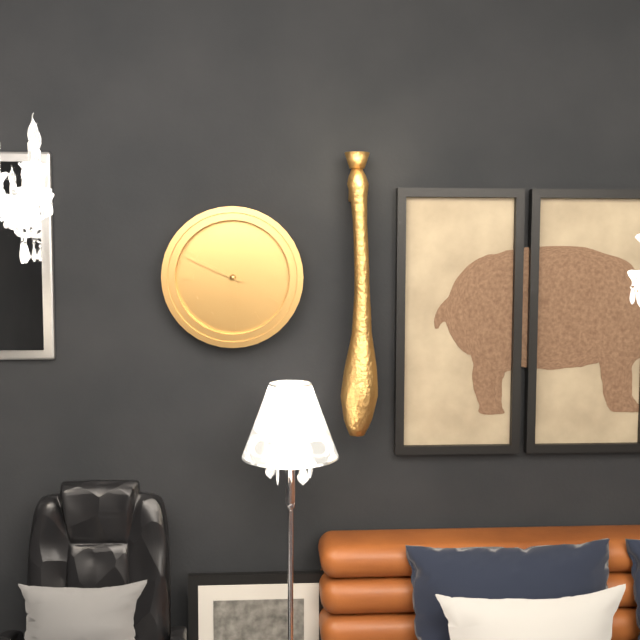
5:49
